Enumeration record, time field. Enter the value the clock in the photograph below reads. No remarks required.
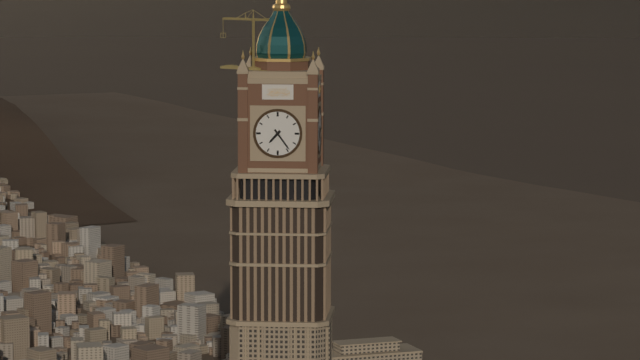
7:24
